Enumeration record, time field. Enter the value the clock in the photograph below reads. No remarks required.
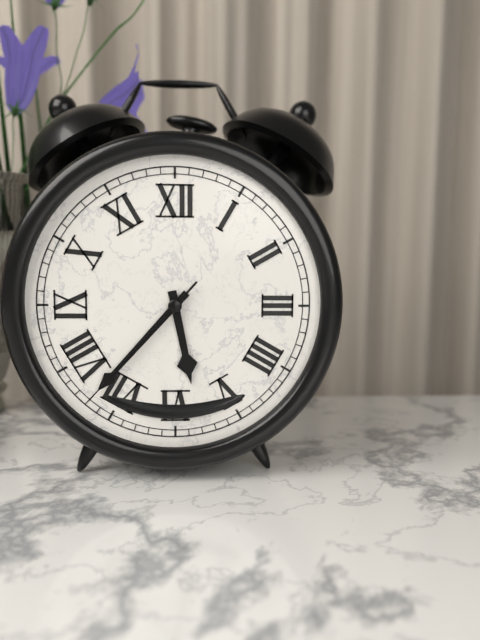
5:37:37
